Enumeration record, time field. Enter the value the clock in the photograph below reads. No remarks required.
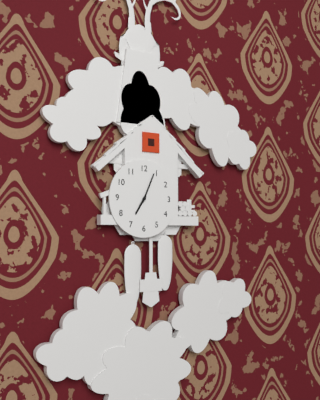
7:04
